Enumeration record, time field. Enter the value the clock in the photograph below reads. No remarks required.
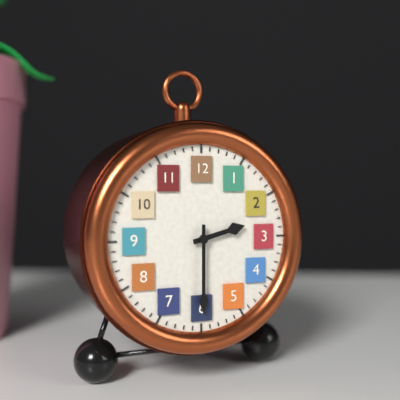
2:30
